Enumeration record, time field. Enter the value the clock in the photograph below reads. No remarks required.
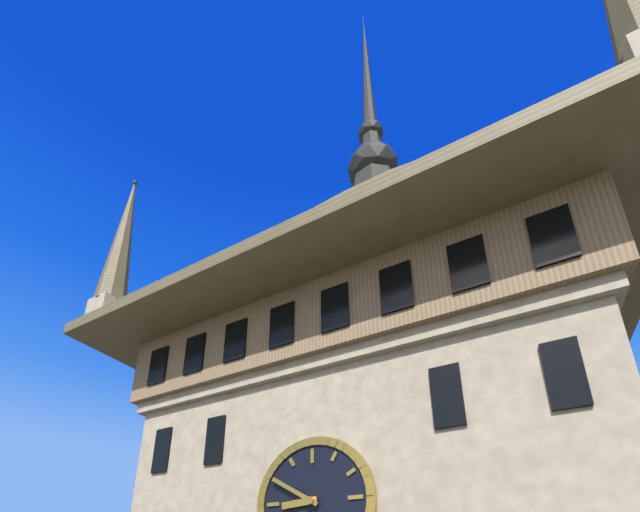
8:50
